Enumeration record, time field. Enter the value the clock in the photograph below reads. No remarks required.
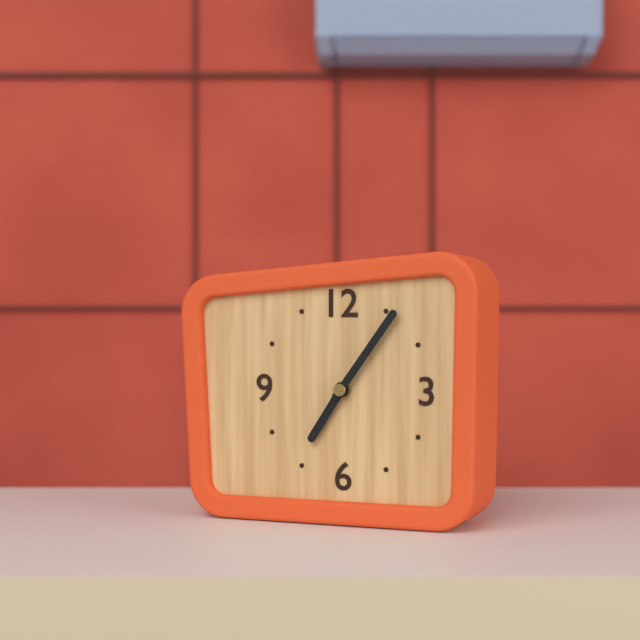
7:06
